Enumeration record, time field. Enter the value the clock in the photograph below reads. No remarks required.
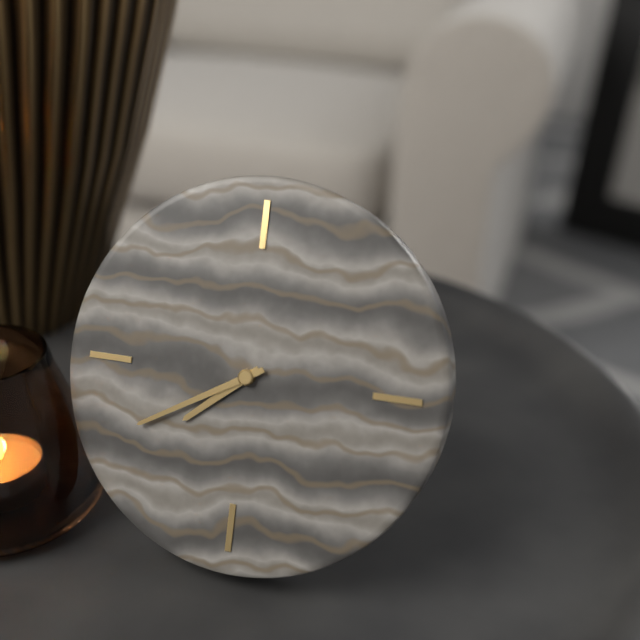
7:40
